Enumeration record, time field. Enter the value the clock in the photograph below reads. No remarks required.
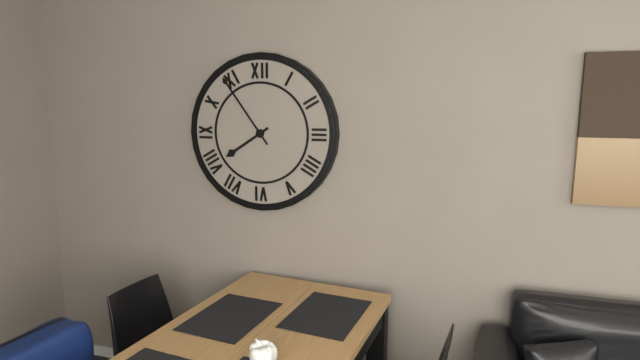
7:54
